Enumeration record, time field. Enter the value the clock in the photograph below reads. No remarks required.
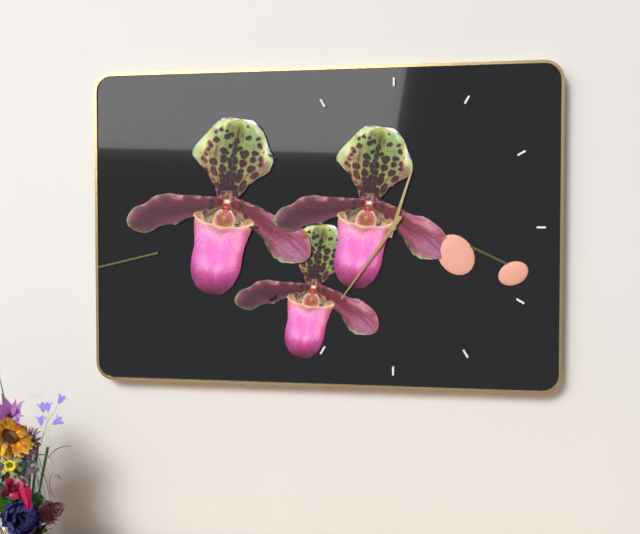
12:36
